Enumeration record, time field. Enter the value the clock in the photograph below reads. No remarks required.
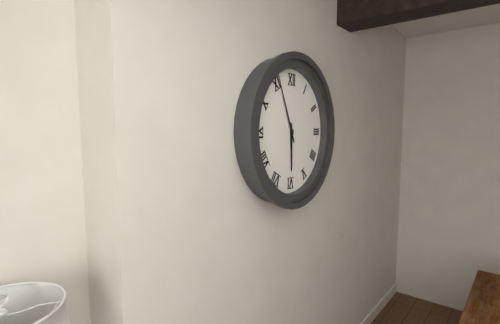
5:56
